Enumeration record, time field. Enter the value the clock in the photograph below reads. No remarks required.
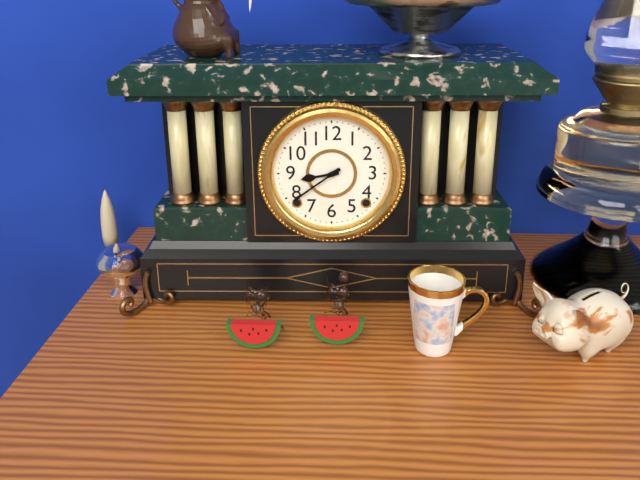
8:39
